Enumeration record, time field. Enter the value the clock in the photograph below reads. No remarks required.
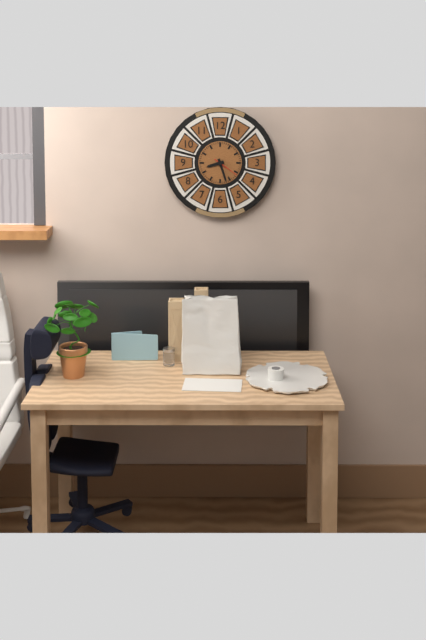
8:27
